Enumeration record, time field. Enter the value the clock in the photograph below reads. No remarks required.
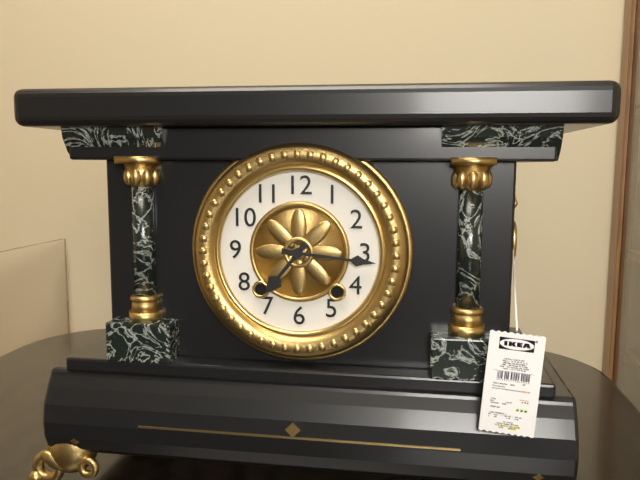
7:16
